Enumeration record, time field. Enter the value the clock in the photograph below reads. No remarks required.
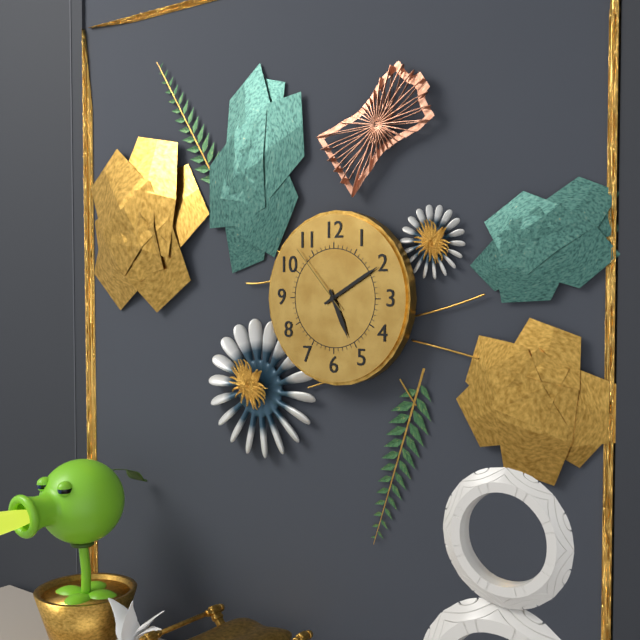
5:10:53
